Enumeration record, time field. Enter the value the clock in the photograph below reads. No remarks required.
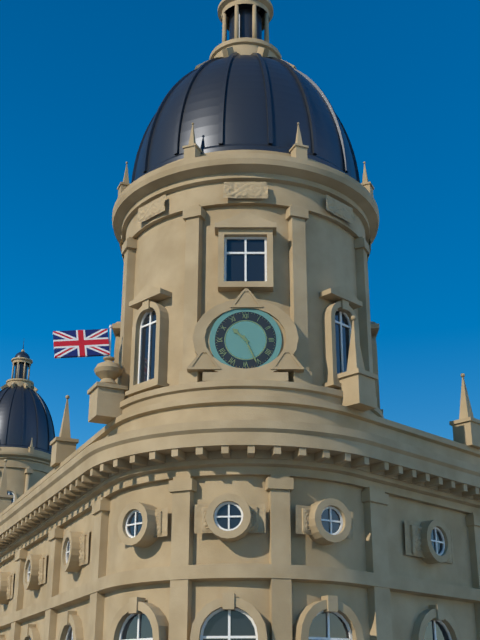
10:26
